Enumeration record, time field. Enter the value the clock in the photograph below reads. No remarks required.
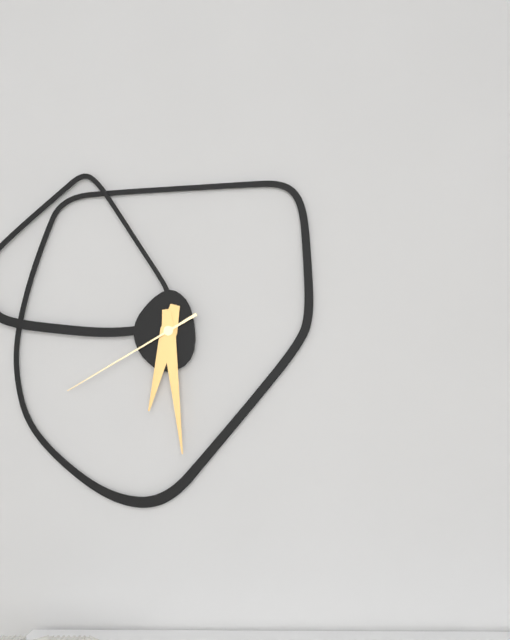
6:29:40
